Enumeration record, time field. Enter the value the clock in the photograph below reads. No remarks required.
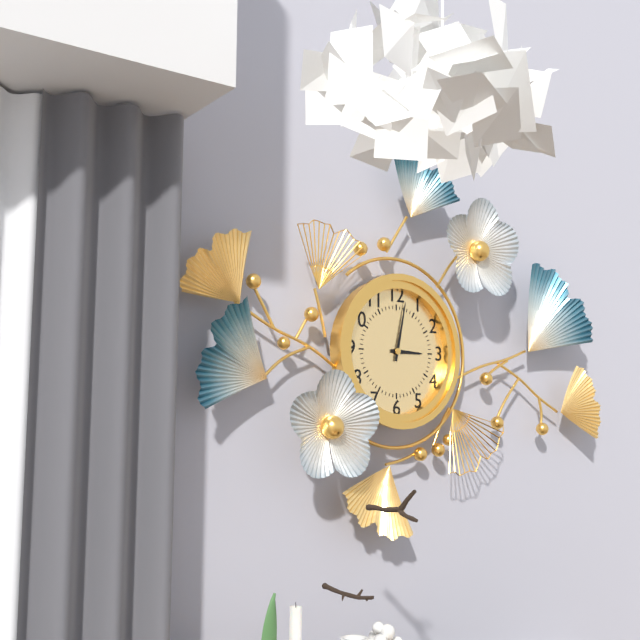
3:02
